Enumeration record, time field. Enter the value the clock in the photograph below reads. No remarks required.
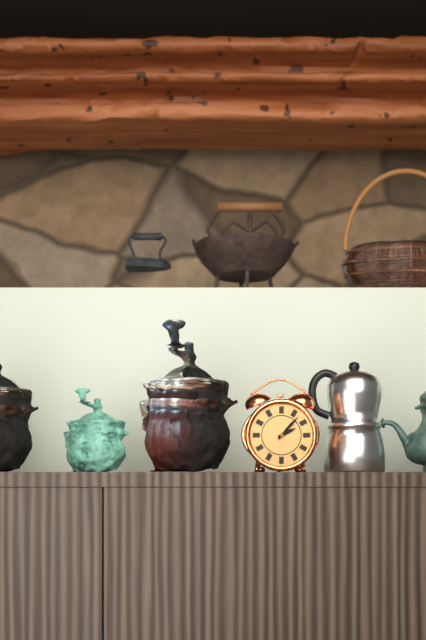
2:07
